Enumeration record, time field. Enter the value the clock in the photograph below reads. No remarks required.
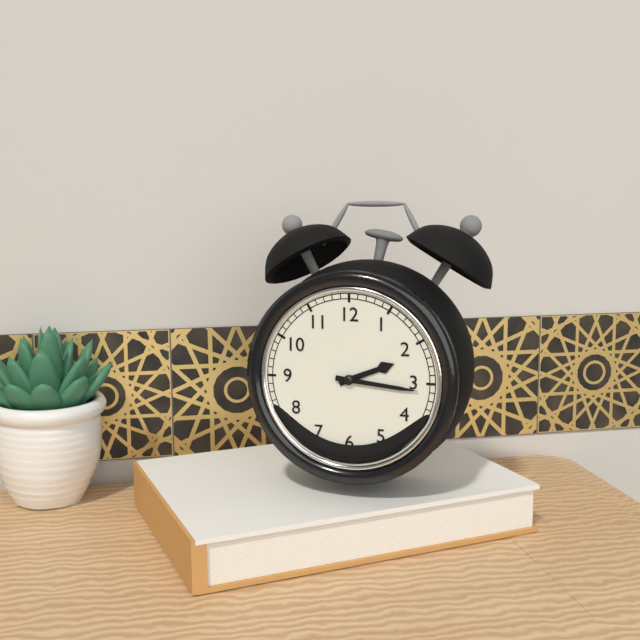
2:16
